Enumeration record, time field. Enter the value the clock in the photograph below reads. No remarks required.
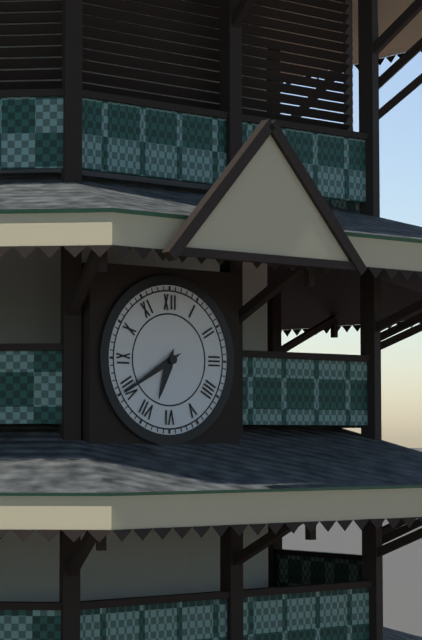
6:40
